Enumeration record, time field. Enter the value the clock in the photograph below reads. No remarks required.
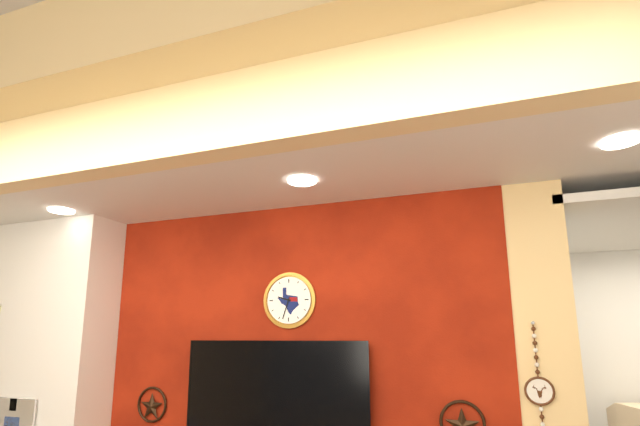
9:33
